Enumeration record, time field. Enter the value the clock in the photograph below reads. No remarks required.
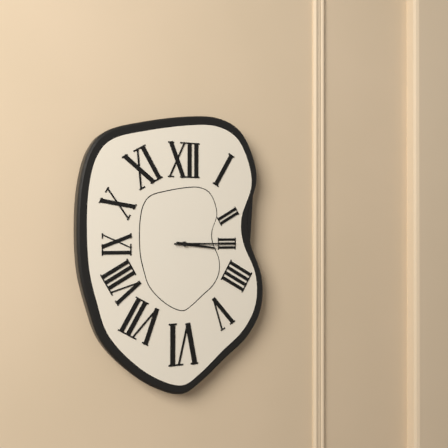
3:15
